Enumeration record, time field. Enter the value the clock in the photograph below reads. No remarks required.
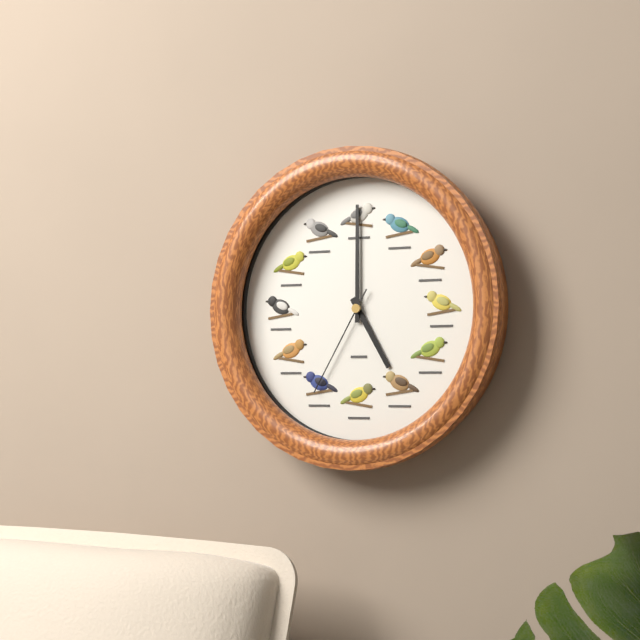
5:00:35
